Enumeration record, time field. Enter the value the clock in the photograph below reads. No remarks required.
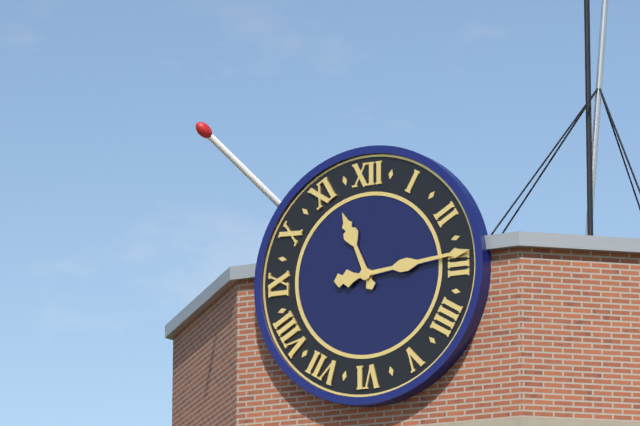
11:14
